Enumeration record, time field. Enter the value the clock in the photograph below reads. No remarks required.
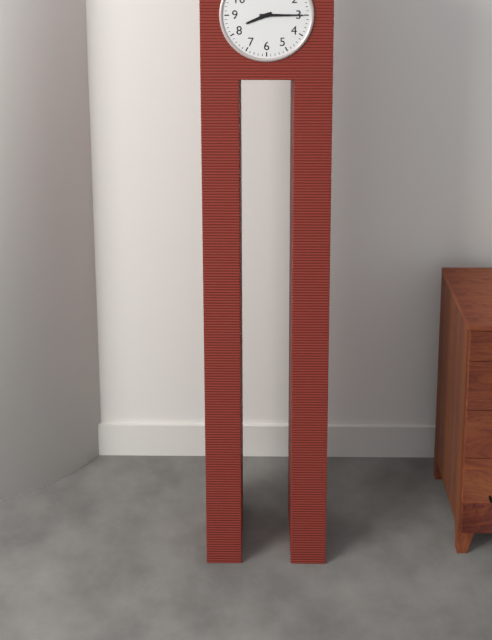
8:15
